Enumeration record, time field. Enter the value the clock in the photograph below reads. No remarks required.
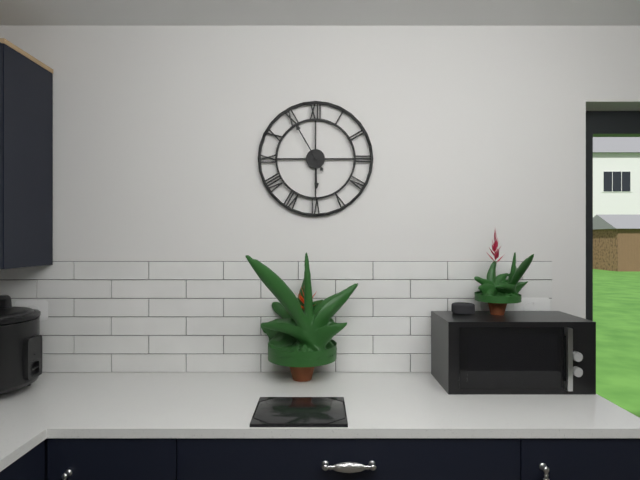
5:55
